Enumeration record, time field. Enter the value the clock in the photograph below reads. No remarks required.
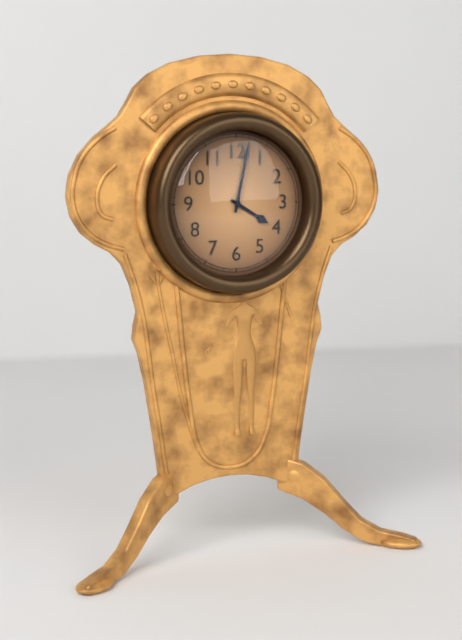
4:02
